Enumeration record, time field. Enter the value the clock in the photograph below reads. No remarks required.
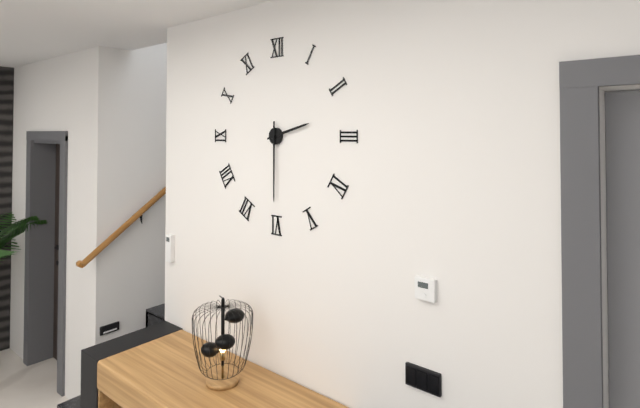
2:30
